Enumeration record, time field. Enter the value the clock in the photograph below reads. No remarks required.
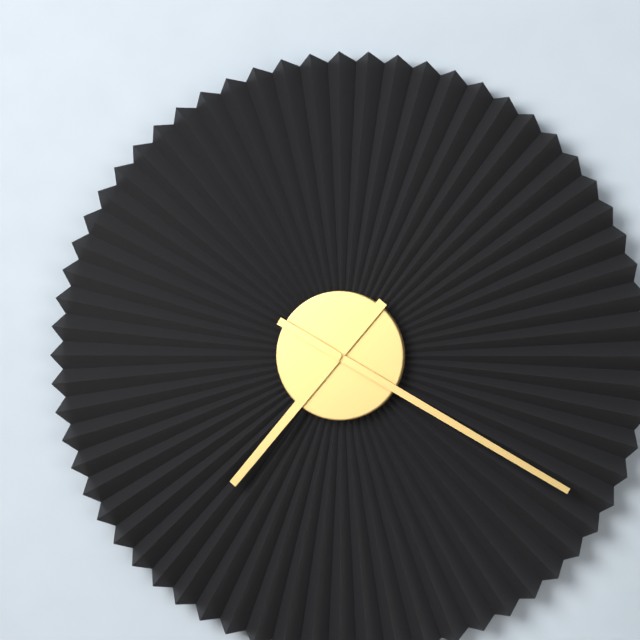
7:20
